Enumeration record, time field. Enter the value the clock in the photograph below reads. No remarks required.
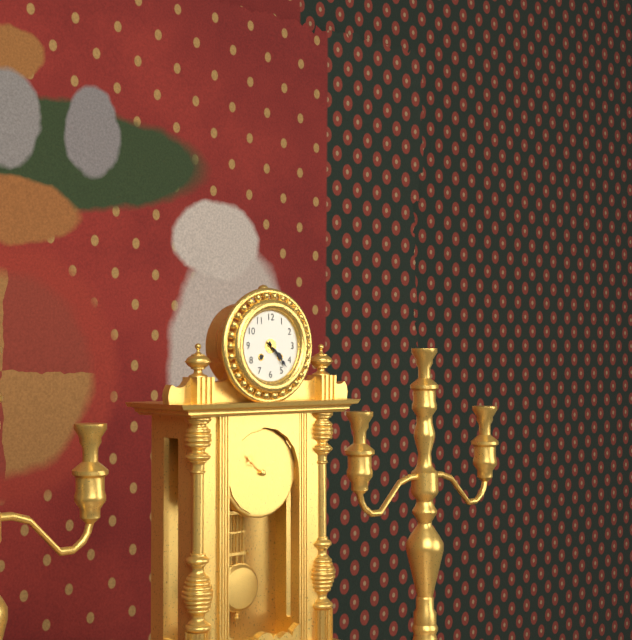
4:23
